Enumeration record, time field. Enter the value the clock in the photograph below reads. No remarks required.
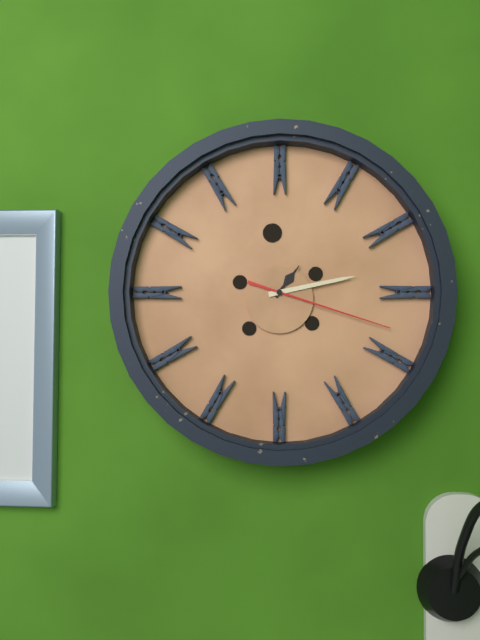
1:13:18
